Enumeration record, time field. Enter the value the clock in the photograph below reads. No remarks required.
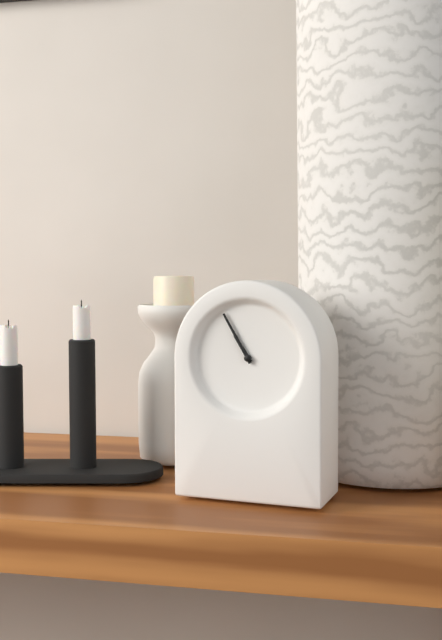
10:55
